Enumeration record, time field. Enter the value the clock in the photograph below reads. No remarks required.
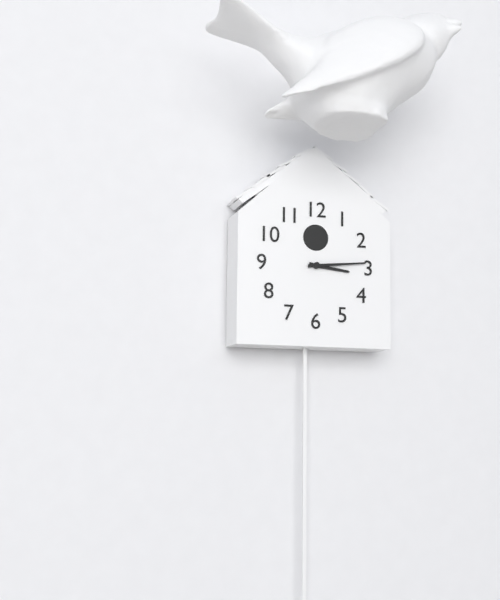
3:14
